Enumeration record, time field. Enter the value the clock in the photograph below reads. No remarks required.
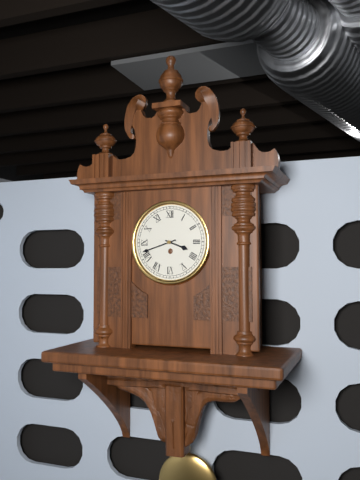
3:42
